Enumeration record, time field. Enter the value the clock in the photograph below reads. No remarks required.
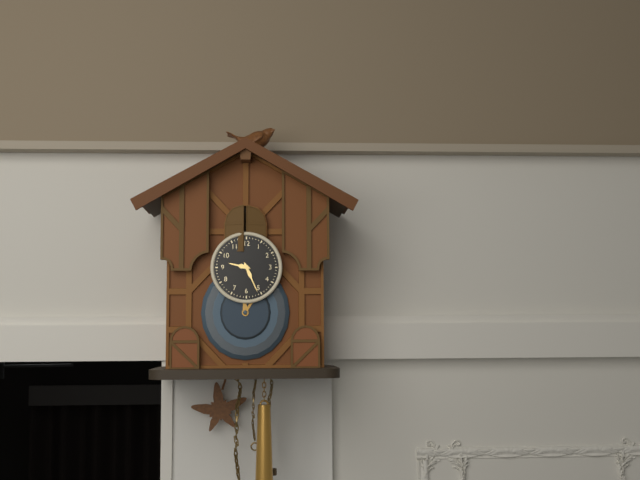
9:26
